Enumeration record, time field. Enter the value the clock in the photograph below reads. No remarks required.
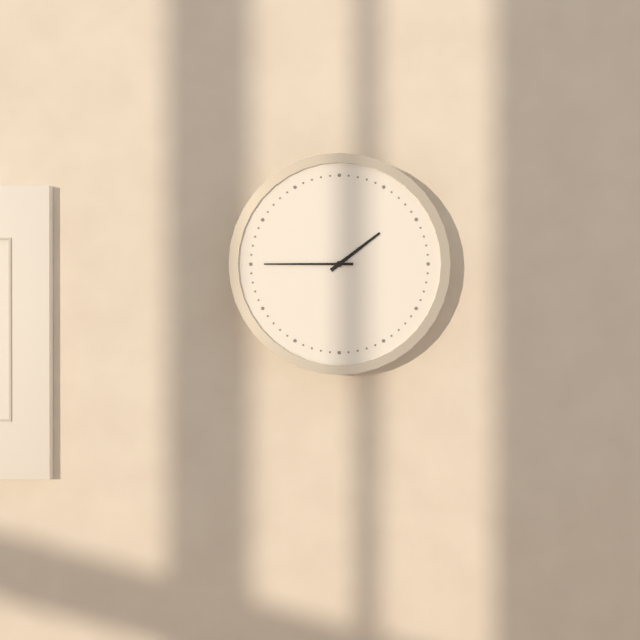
1:45
